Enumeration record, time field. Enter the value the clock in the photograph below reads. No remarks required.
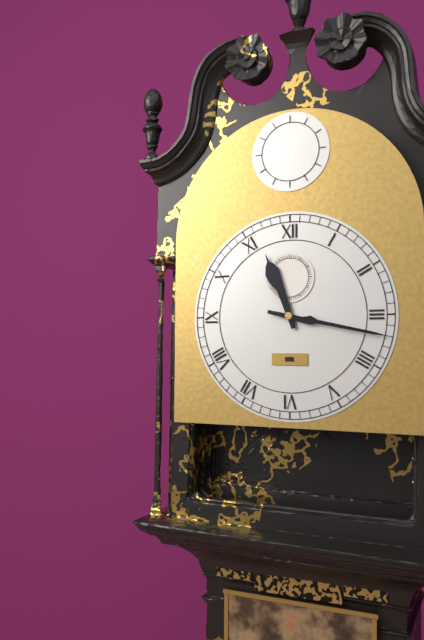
11:17
